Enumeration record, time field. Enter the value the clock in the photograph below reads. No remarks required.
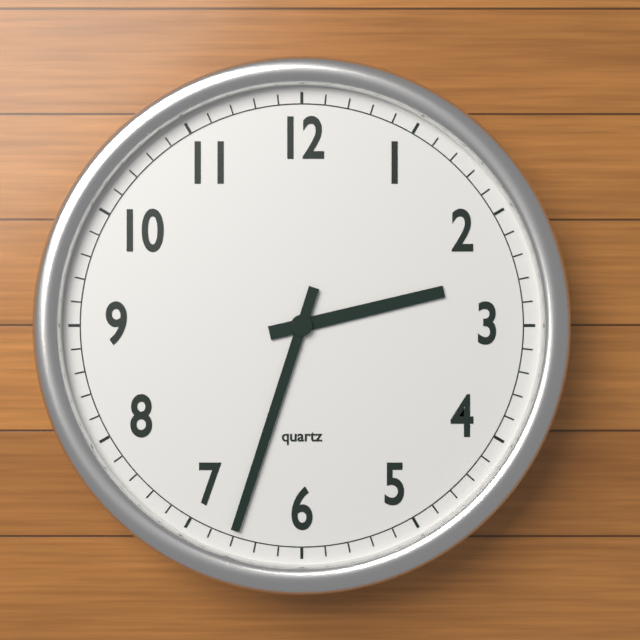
2:33
